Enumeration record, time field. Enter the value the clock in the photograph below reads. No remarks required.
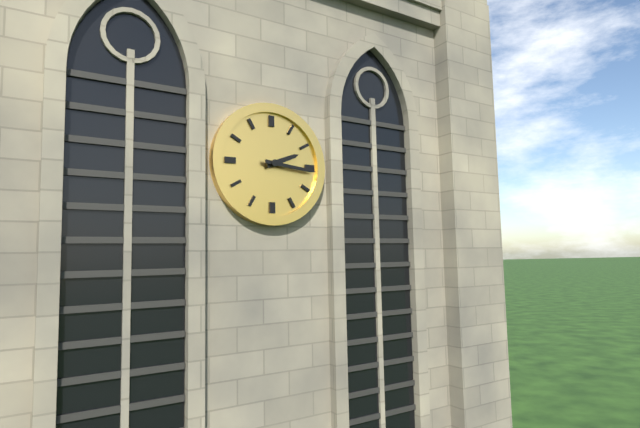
2:16
